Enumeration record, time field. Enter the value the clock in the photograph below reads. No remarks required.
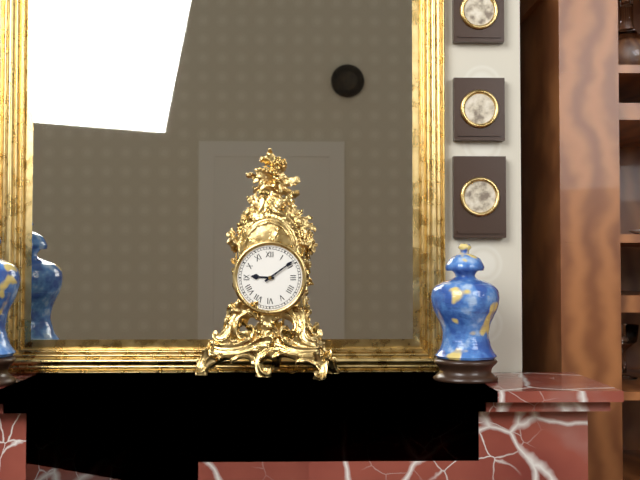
9:09
